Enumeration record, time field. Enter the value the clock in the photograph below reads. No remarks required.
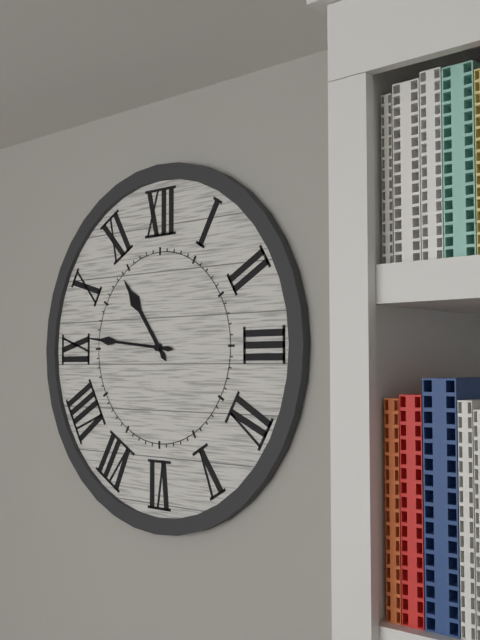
10:46
